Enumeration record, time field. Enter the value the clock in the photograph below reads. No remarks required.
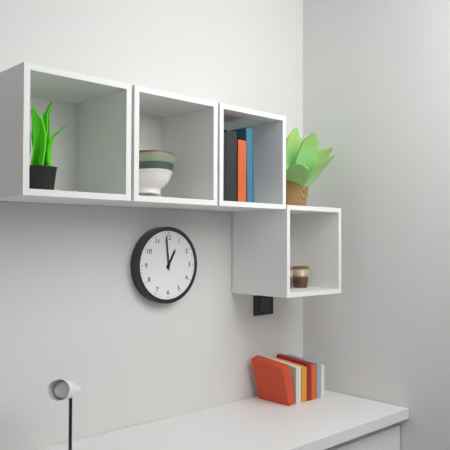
12:59
